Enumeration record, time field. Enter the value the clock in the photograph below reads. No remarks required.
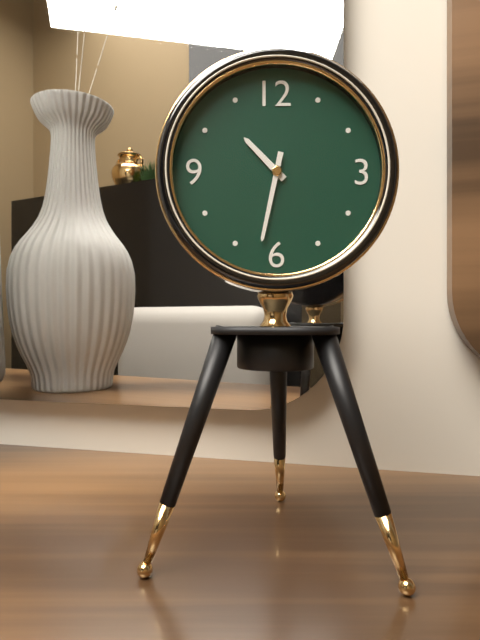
10:32
